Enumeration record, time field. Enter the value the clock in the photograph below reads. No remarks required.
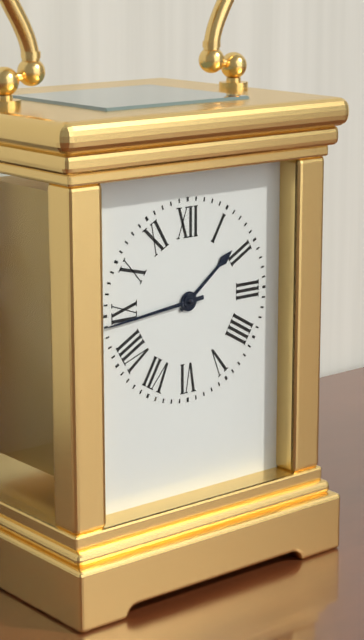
1:44
